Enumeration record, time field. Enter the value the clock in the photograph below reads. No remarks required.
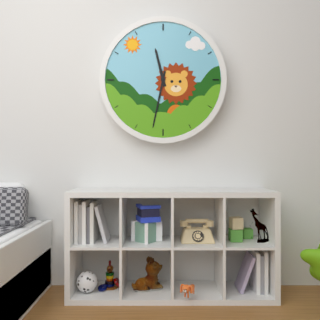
11:32
